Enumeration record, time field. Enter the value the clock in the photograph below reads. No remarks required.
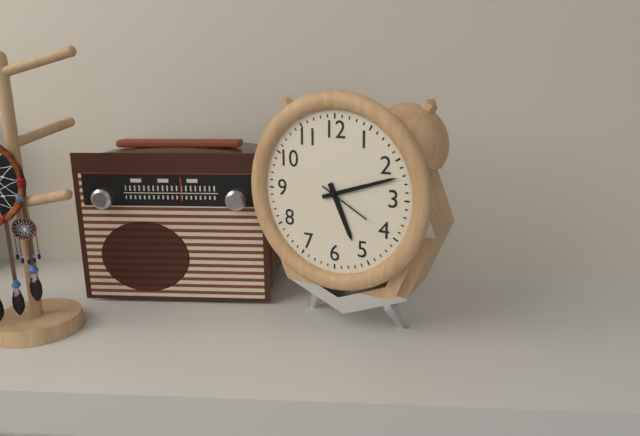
5:12:20
